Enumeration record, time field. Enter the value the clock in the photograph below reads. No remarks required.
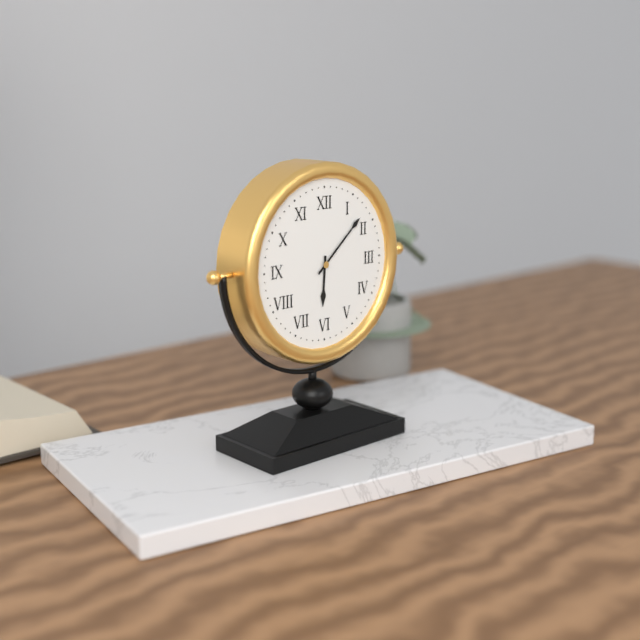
6:08
